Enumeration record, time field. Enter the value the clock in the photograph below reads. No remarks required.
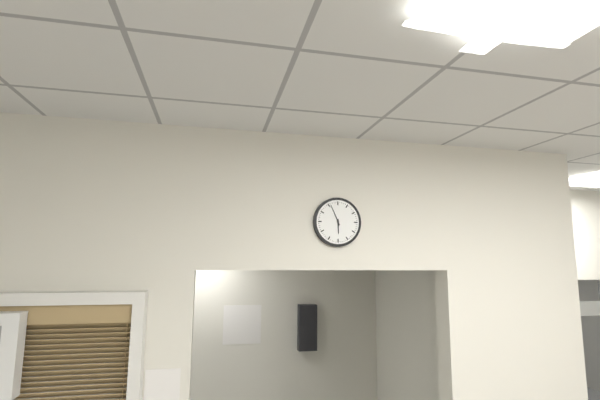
5:56
